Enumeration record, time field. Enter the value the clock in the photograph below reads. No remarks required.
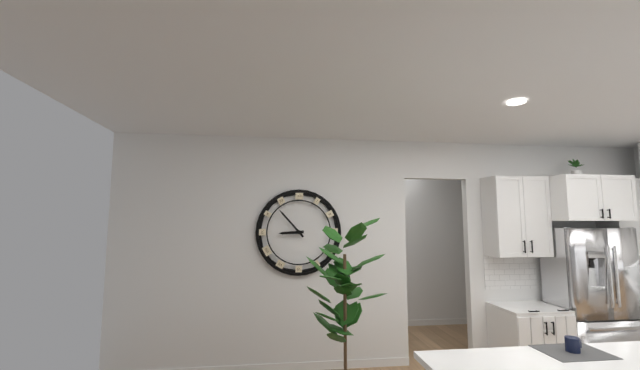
8:53
